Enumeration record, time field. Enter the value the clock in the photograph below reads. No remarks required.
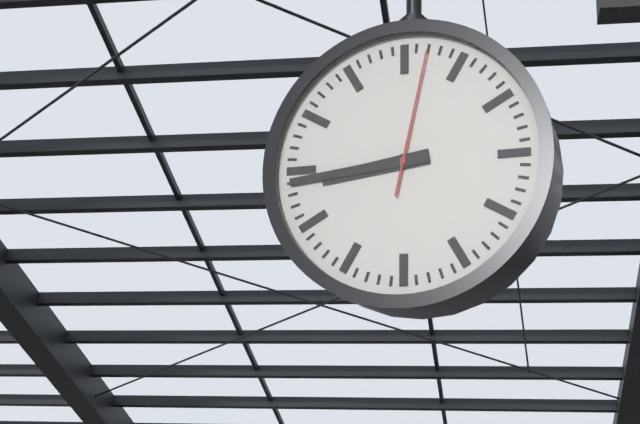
8:44:02
